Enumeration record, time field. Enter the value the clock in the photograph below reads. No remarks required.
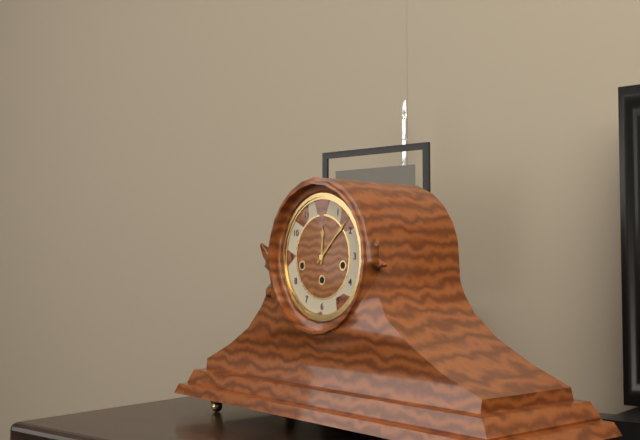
12:08
